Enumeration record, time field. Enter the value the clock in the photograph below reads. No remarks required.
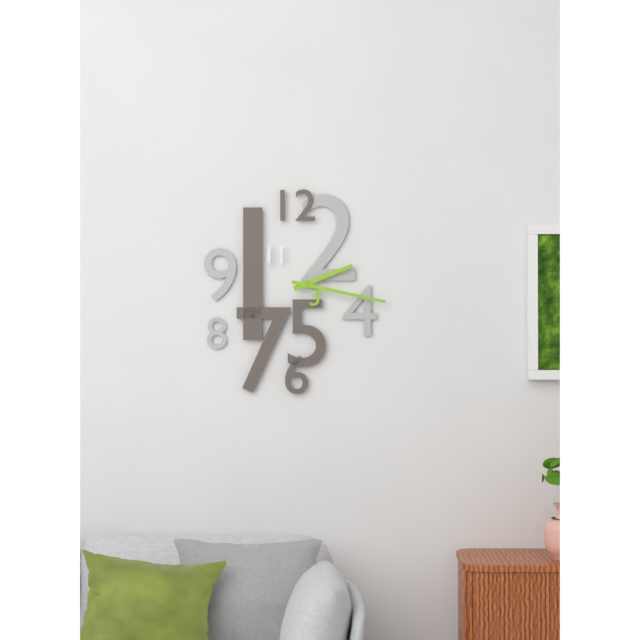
2:17
